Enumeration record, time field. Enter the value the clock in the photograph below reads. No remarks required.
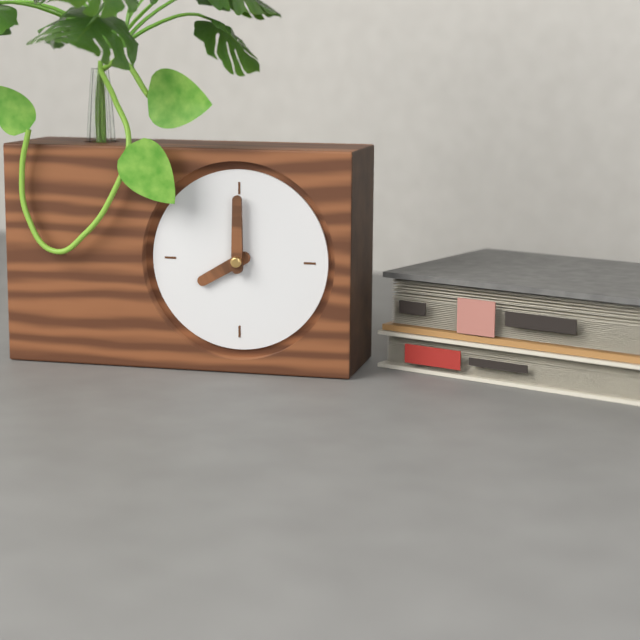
8:00
